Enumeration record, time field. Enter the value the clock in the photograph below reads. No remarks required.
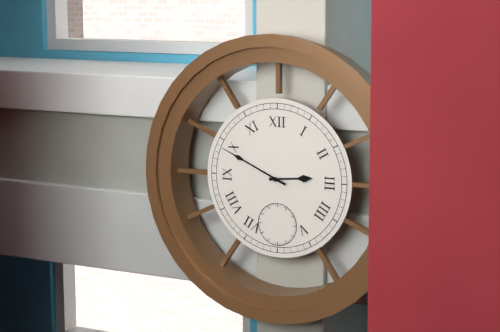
2:49
